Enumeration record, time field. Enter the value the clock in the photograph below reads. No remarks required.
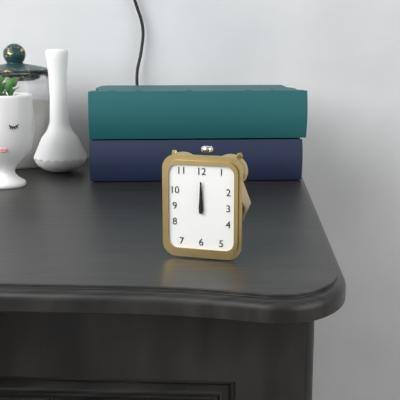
12:00
